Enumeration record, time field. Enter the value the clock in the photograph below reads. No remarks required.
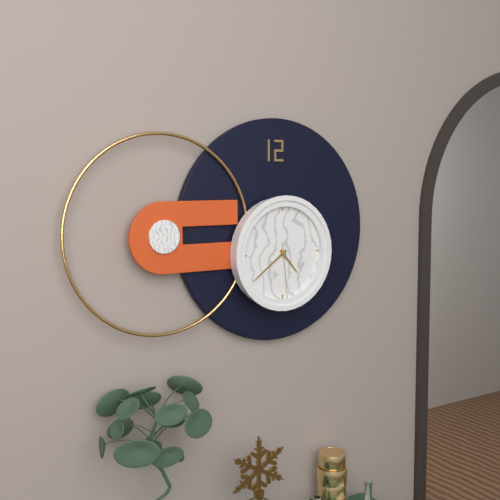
4:39:29
